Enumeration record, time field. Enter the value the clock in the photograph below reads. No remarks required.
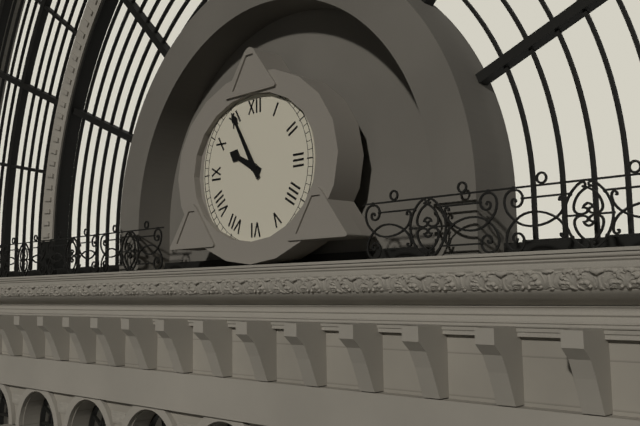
9:55
